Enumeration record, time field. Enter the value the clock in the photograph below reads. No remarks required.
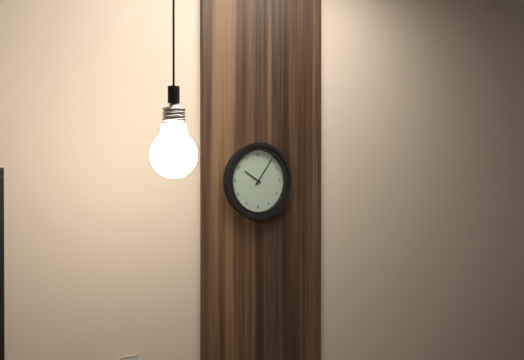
10:06
